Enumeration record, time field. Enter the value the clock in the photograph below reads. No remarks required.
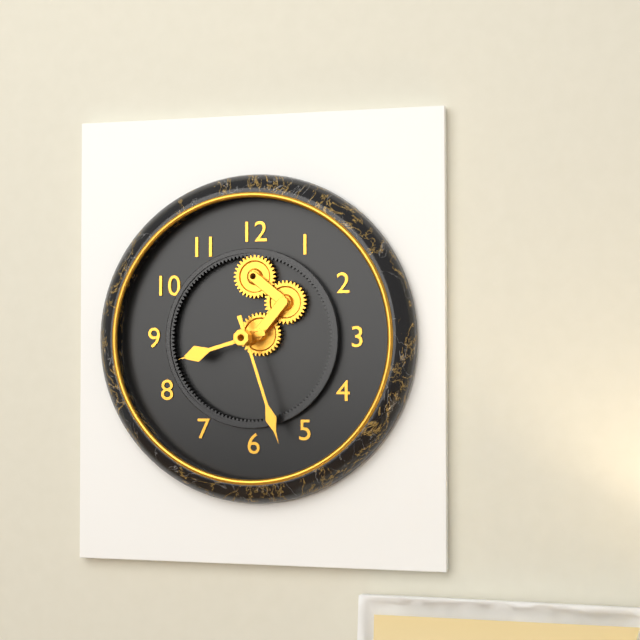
8:27
